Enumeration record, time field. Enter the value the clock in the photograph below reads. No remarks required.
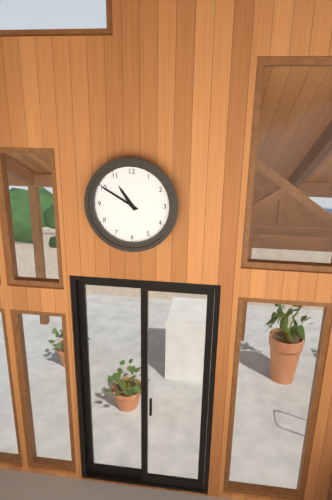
10:50
